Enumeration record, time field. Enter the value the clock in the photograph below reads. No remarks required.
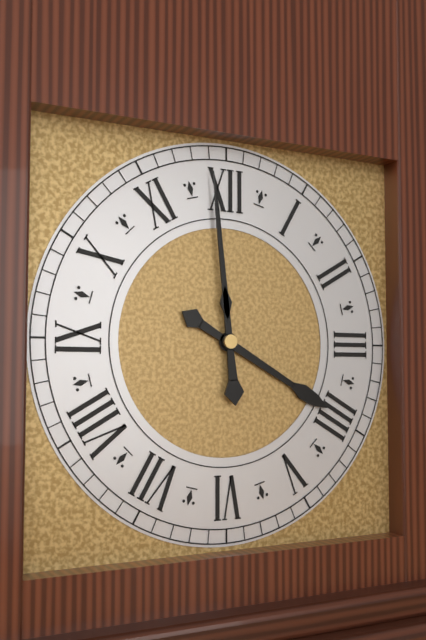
3:59
